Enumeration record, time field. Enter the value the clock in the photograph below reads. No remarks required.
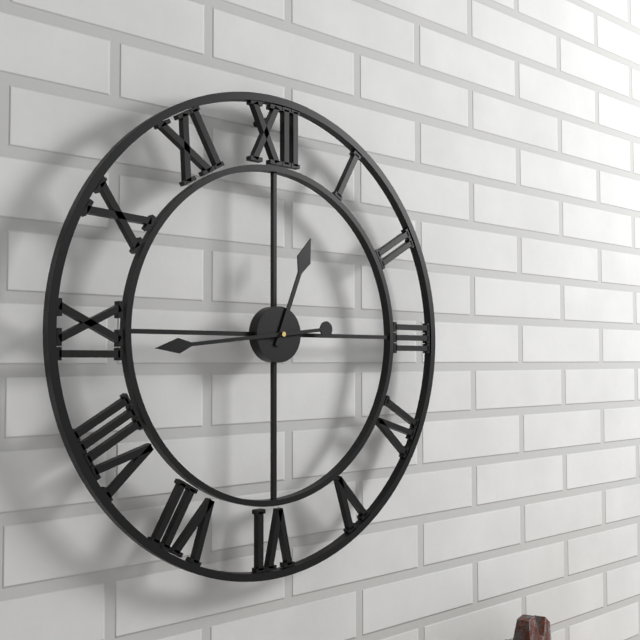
12:44
